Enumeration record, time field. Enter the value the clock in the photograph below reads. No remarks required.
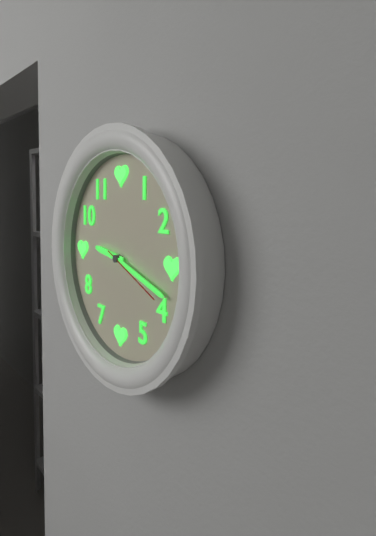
9:18:19
